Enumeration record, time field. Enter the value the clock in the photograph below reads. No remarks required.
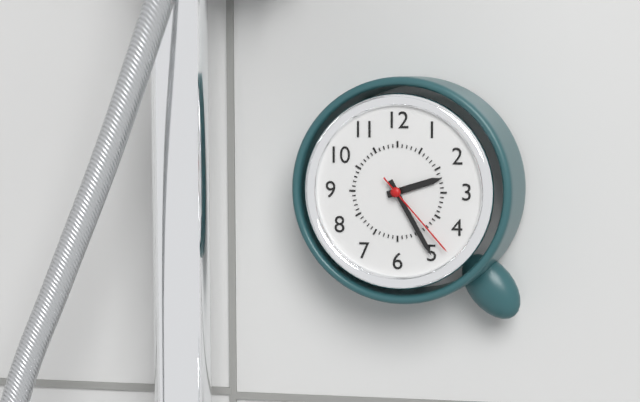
2:25:23
